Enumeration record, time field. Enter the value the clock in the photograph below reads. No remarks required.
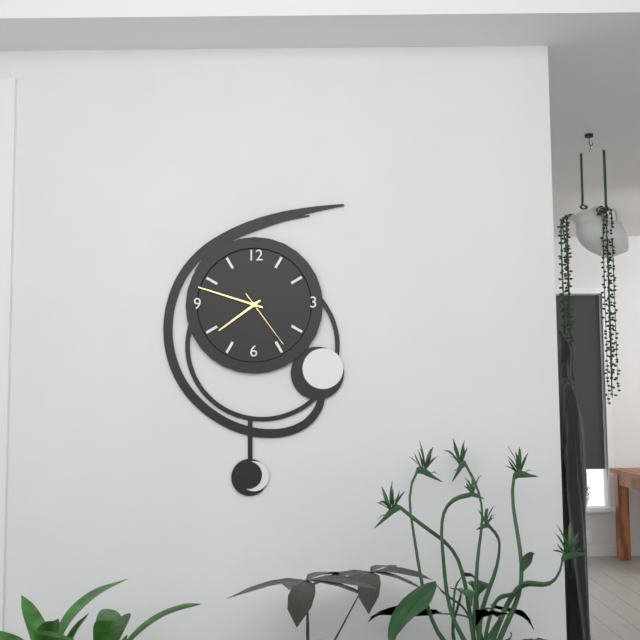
7:48:24
